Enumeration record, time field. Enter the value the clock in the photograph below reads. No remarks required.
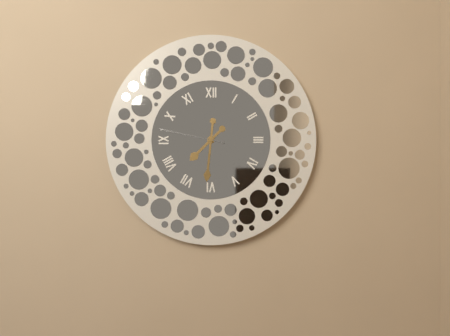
7:31:47
